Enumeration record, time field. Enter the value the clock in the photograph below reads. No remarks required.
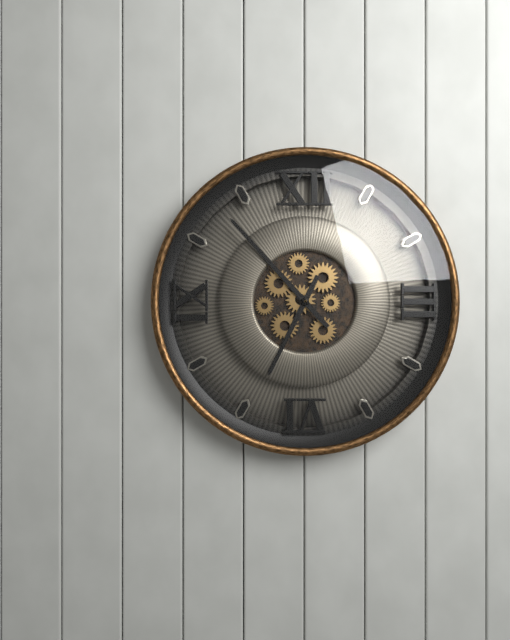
6:53
